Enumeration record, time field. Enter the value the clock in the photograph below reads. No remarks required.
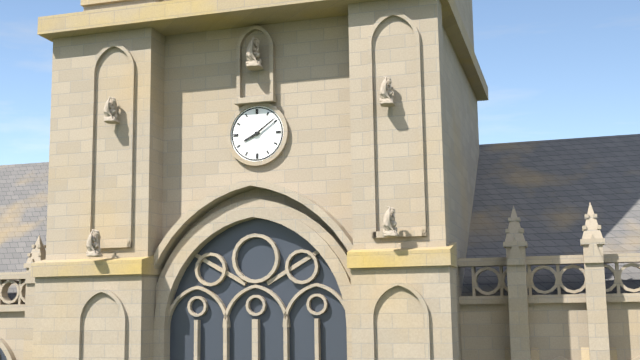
8:09
